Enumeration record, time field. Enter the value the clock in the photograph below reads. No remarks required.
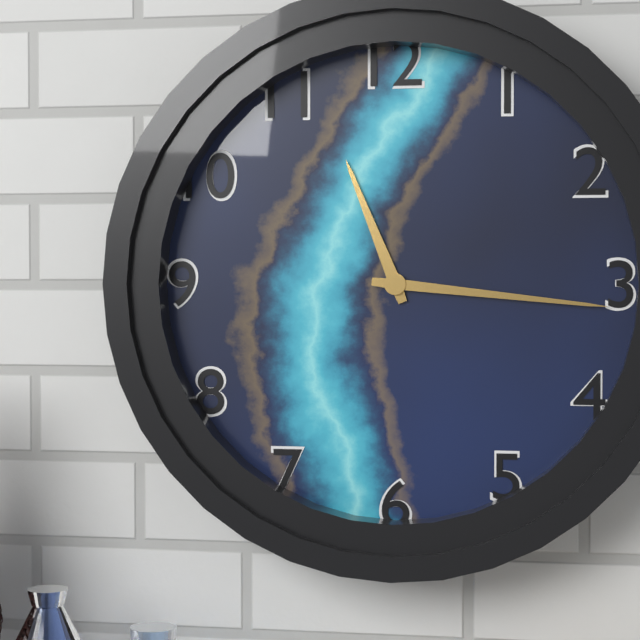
11:16
